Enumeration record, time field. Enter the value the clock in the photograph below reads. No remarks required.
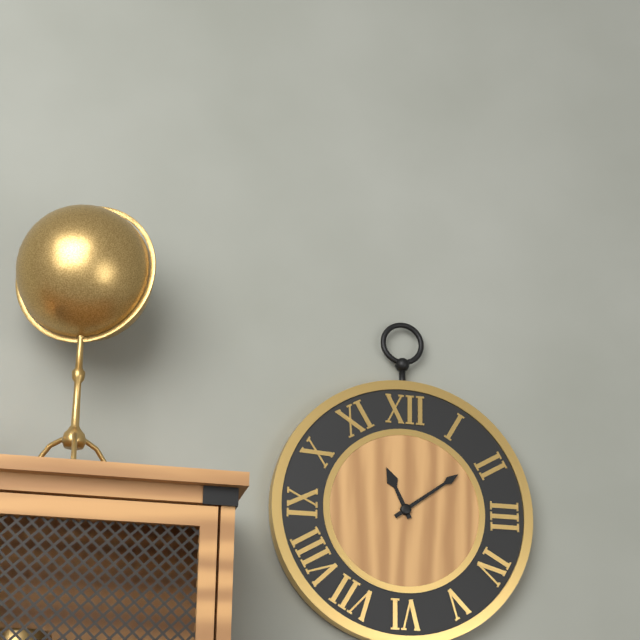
11:09
